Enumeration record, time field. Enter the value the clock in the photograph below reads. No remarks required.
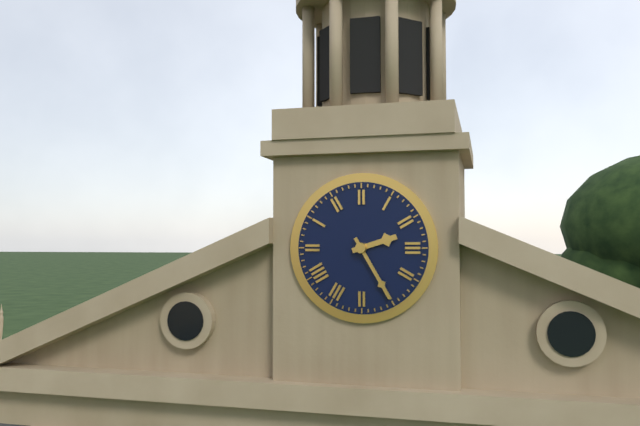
2:25
